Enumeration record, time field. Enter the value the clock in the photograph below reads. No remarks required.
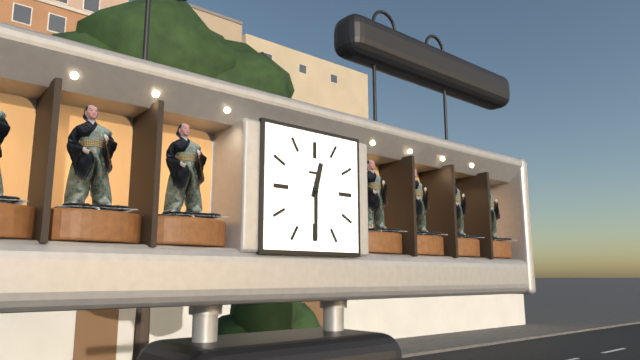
12:30
